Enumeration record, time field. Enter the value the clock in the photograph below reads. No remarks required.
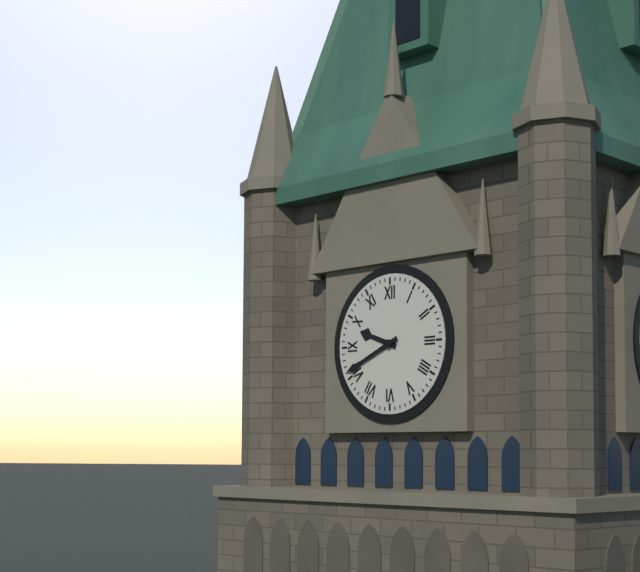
9:41
